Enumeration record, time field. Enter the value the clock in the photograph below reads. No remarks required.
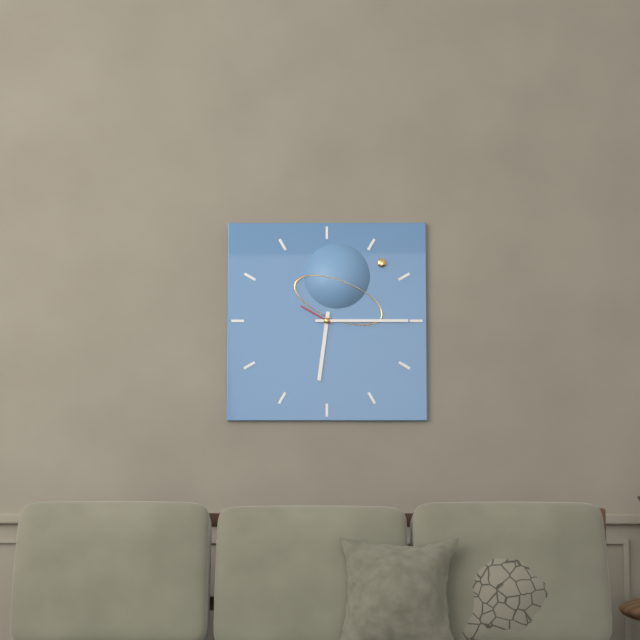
6:15
